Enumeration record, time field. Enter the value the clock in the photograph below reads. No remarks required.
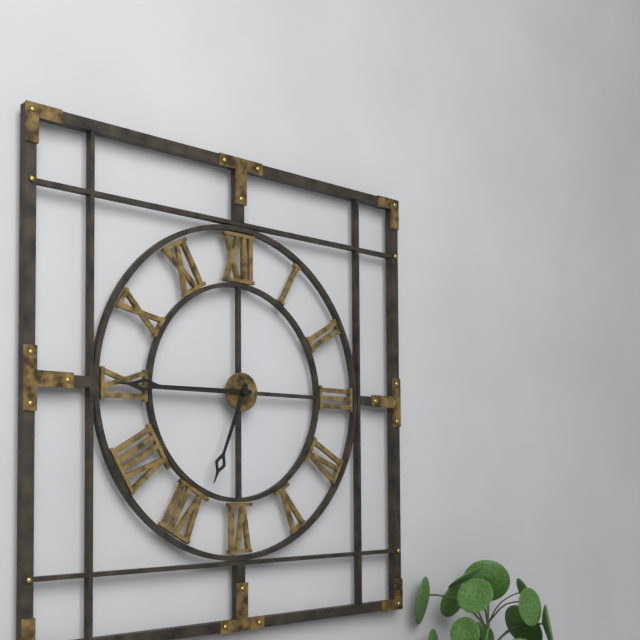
6:45
